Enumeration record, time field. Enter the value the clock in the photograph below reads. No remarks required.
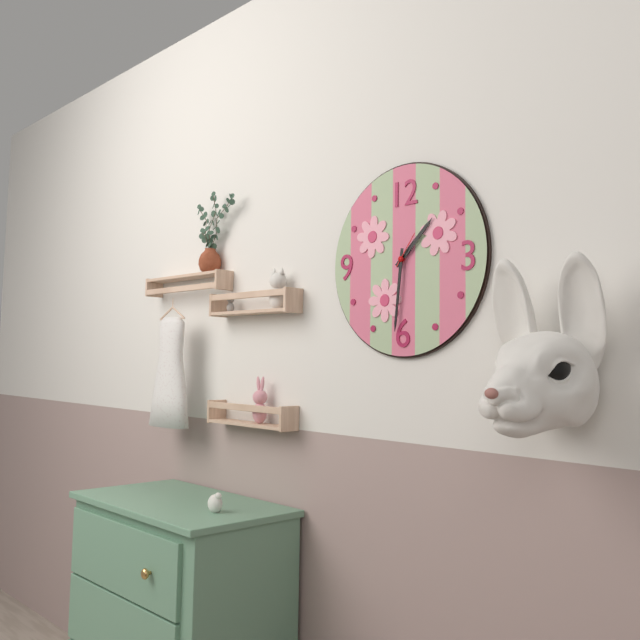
1:31
